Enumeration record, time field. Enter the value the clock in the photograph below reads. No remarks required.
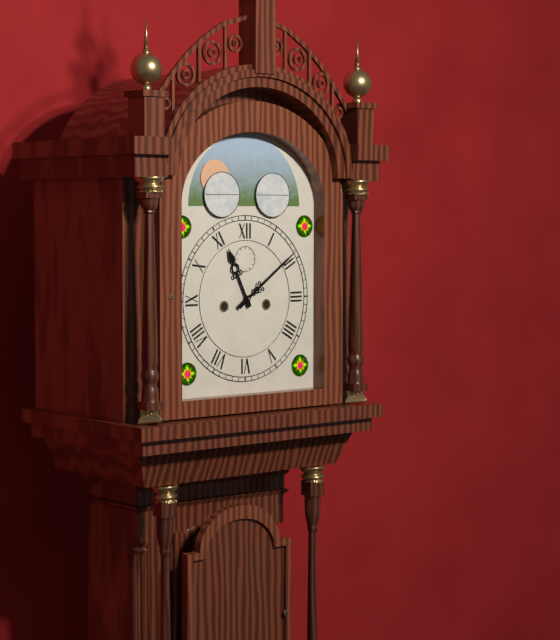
11:09
